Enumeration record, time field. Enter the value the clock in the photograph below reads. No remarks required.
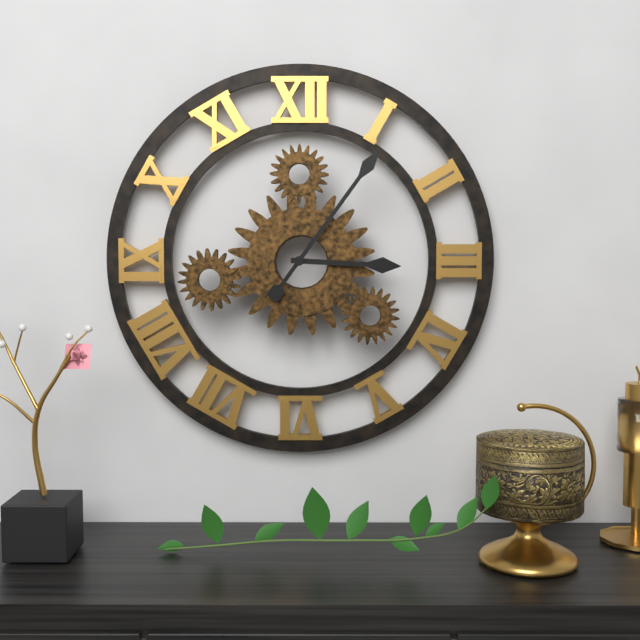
3:06
